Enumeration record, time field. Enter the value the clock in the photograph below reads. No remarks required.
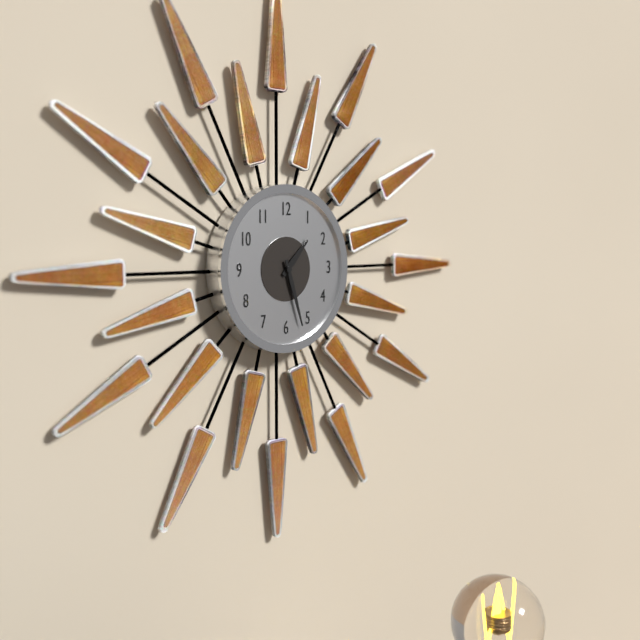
1:27
